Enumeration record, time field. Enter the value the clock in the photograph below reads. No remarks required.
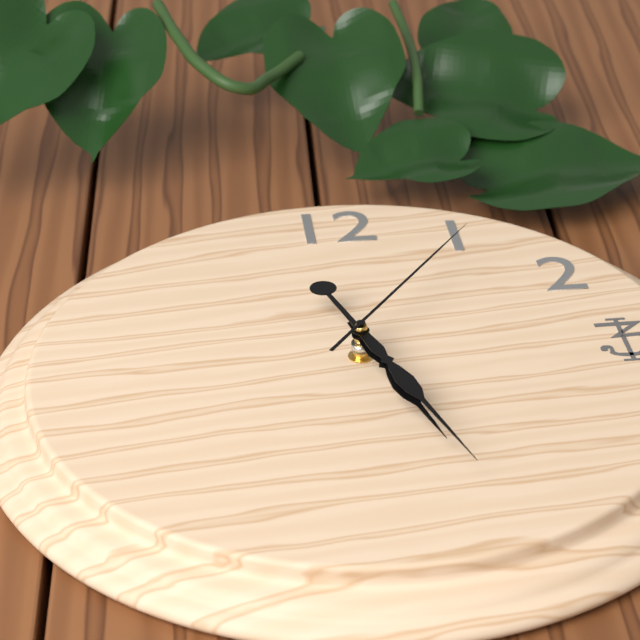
5:27:06
